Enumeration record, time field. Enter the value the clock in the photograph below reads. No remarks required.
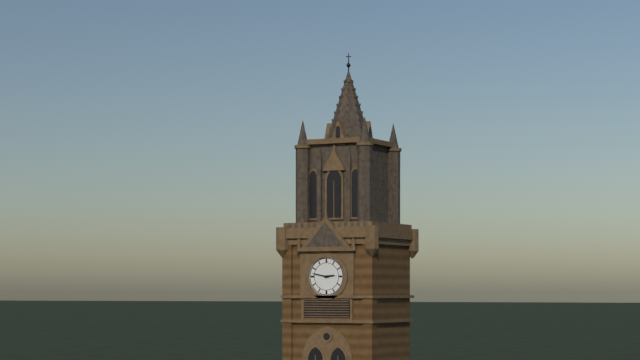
2:47
